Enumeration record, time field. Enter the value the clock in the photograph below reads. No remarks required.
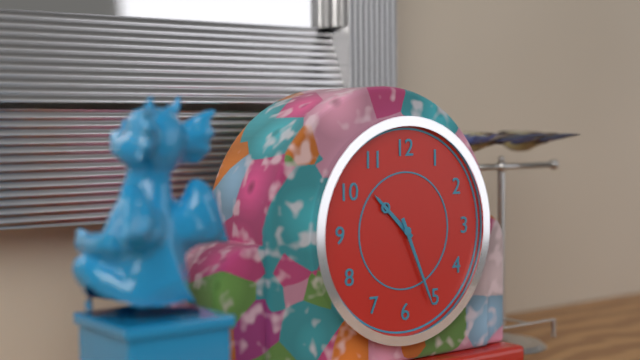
10:26
